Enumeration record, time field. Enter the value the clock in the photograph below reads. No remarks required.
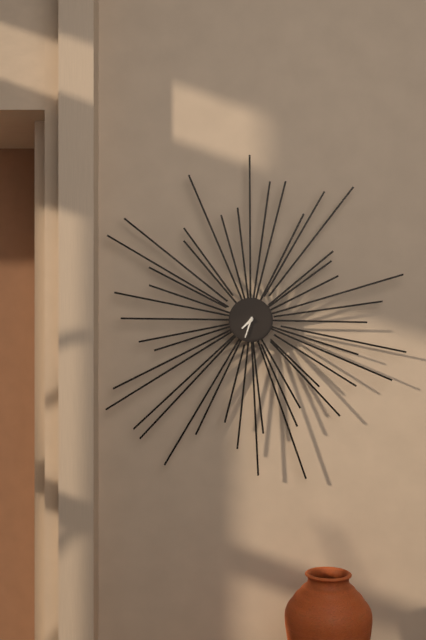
7:33
